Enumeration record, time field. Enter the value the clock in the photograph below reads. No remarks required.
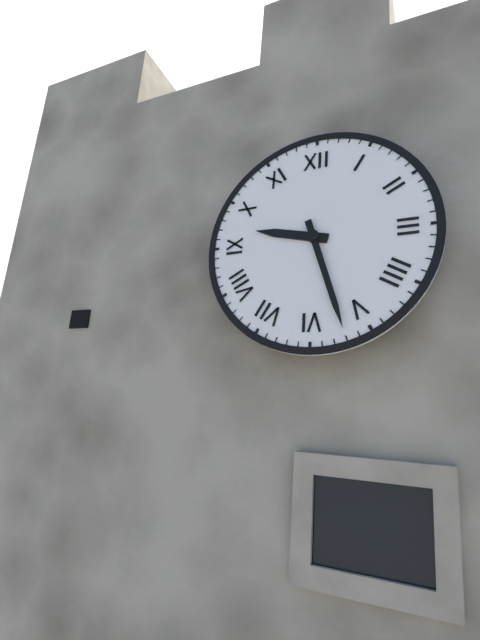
9:27
